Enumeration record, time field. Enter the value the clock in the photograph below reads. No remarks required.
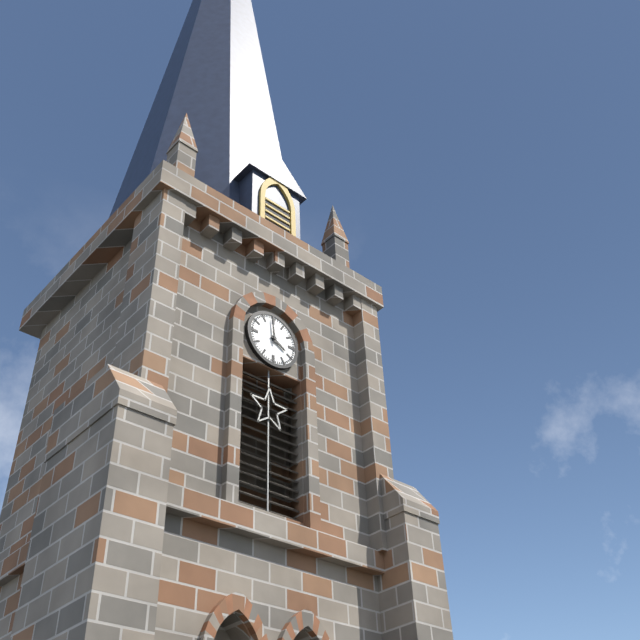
3:59
